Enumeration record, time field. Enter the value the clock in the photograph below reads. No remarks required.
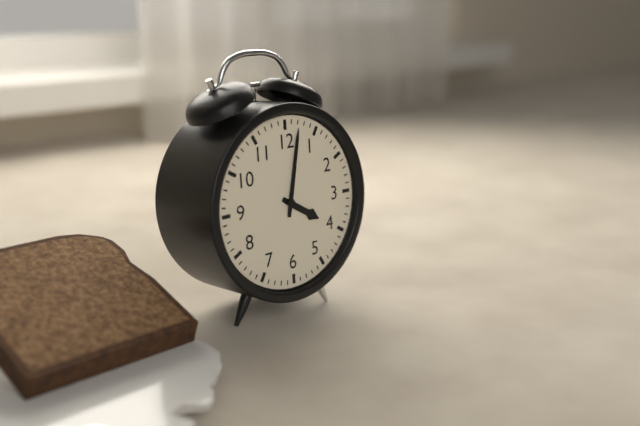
4:02
